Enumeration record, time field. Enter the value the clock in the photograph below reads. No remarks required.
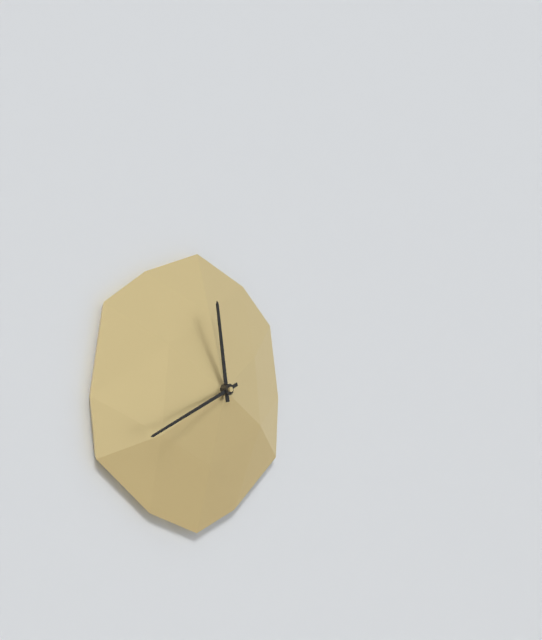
11:41
